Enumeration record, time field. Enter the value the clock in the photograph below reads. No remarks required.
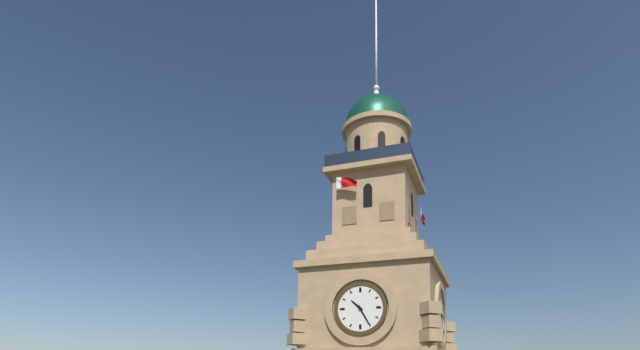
10:25
